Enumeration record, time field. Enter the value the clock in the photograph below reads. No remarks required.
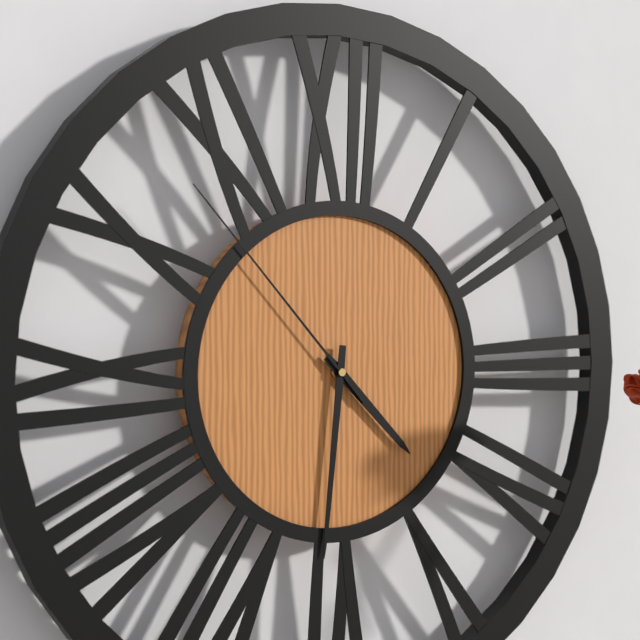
4:31:53
